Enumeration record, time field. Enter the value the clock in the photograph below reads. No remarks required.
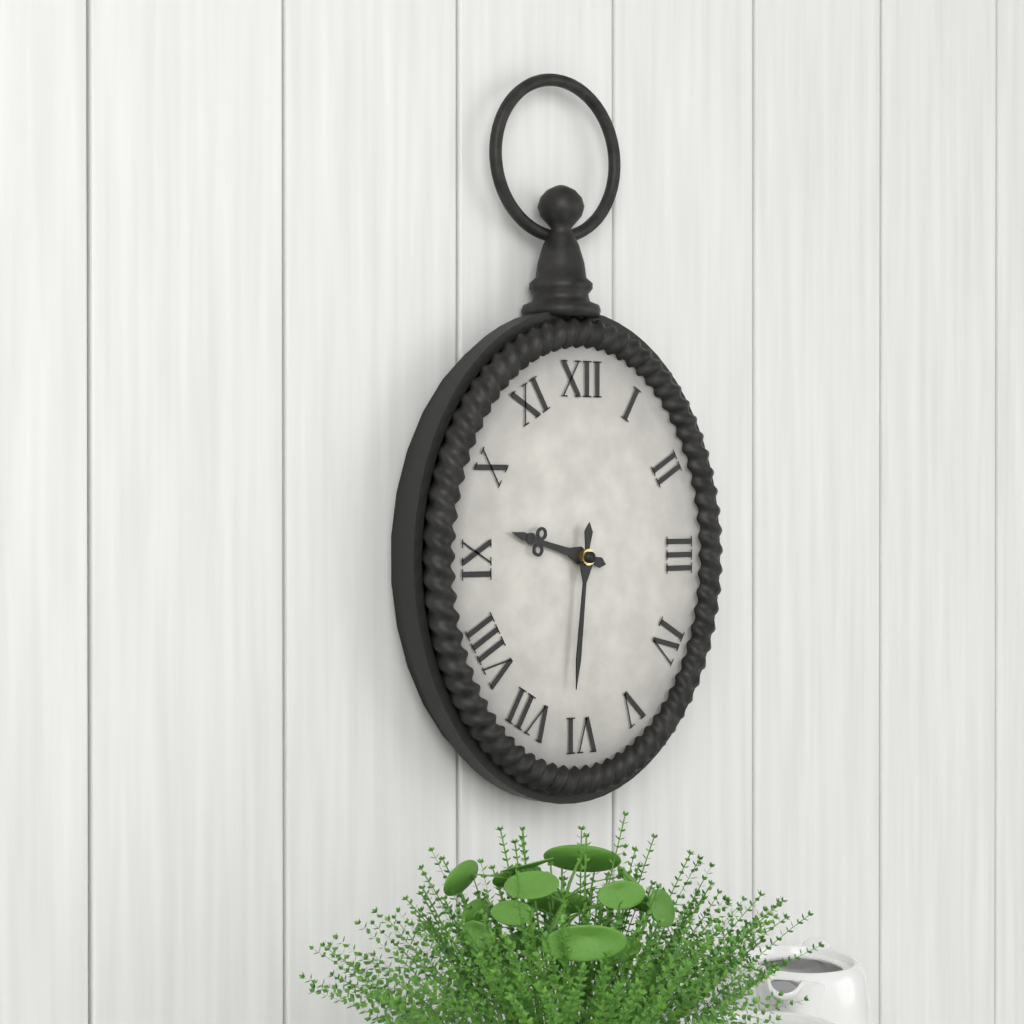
9:31
